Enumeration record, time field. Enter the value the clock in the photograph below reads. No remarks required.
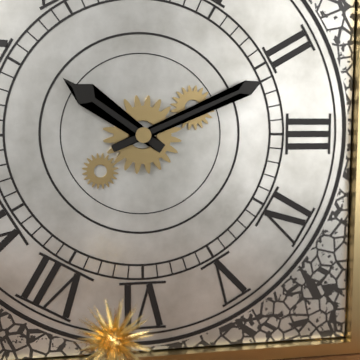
10:11
